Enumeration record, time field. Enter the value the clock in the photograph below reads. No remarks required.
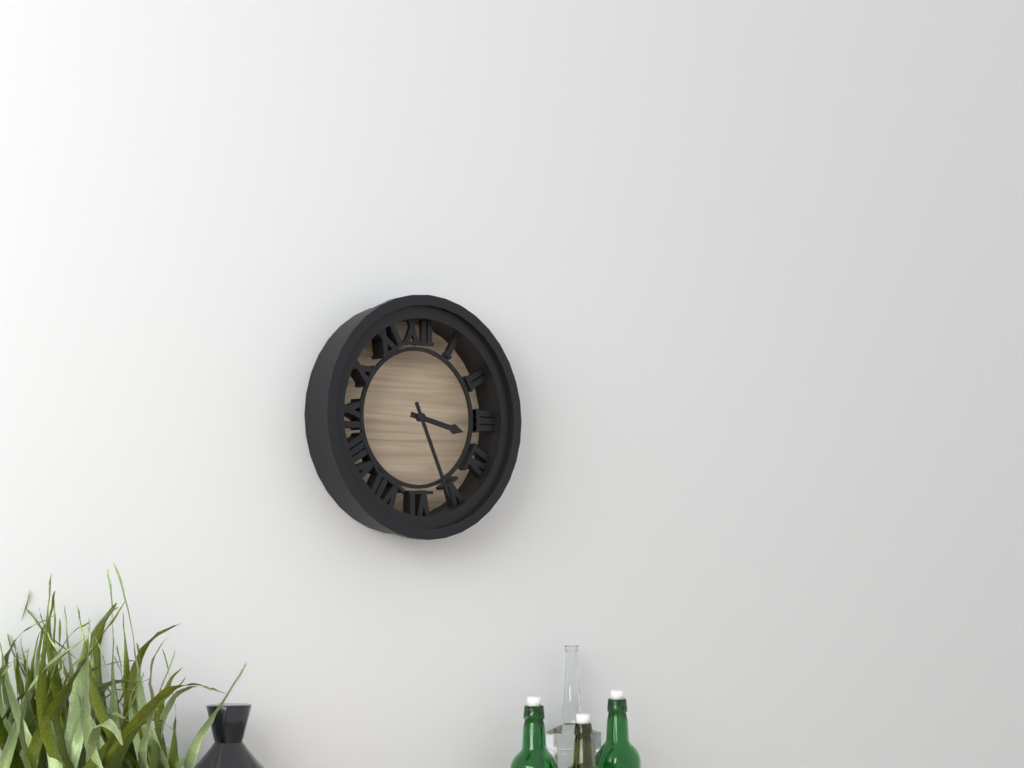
3:26
